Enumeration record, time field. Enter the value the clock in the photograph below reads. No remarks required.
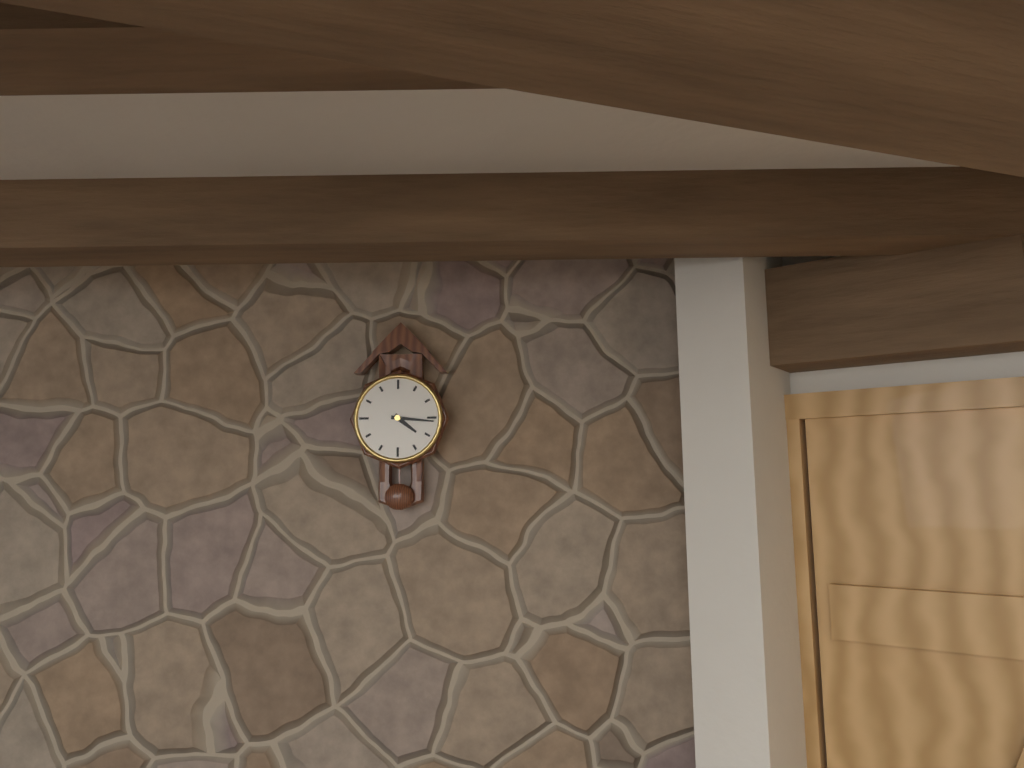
4:16
